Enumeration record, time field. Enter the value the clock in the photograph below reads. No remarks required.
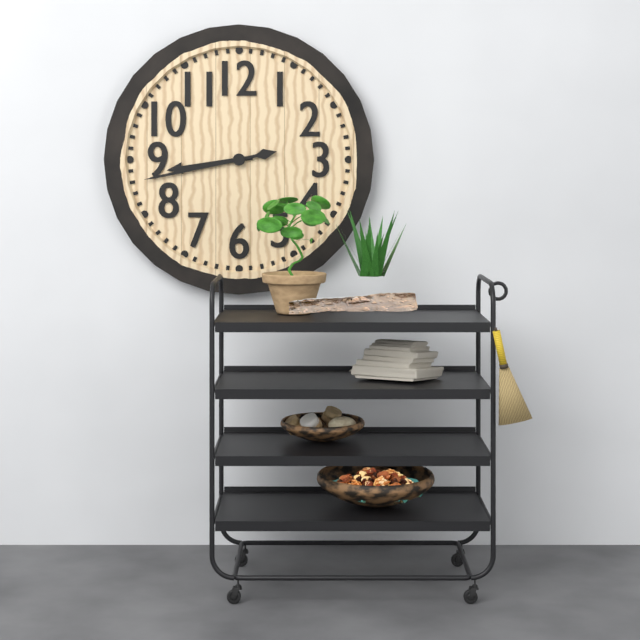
8:43
